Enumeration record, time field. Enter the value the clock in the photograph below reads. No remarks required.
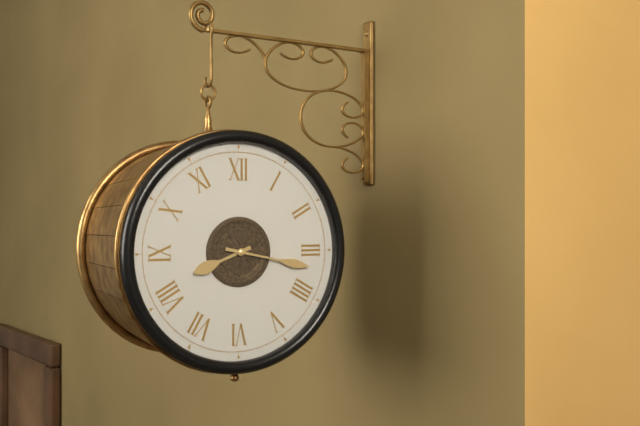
8:17
